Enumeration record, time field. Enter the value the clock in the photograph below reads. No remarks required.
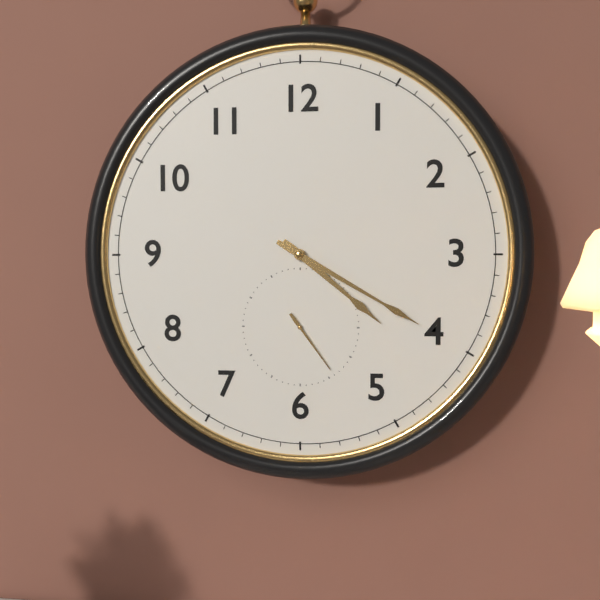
4:20:24
